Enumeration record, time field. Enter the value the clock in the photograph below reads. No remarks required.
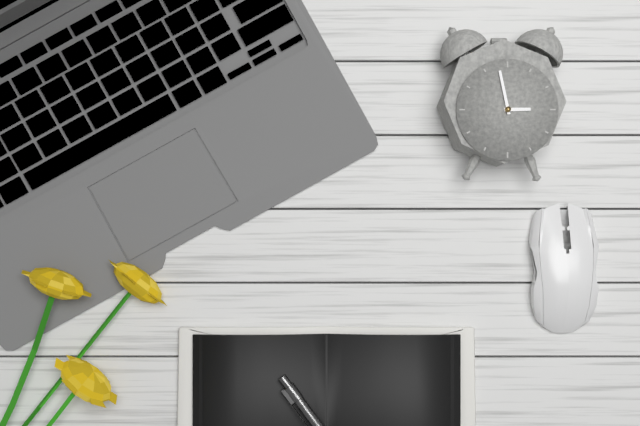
2:58
